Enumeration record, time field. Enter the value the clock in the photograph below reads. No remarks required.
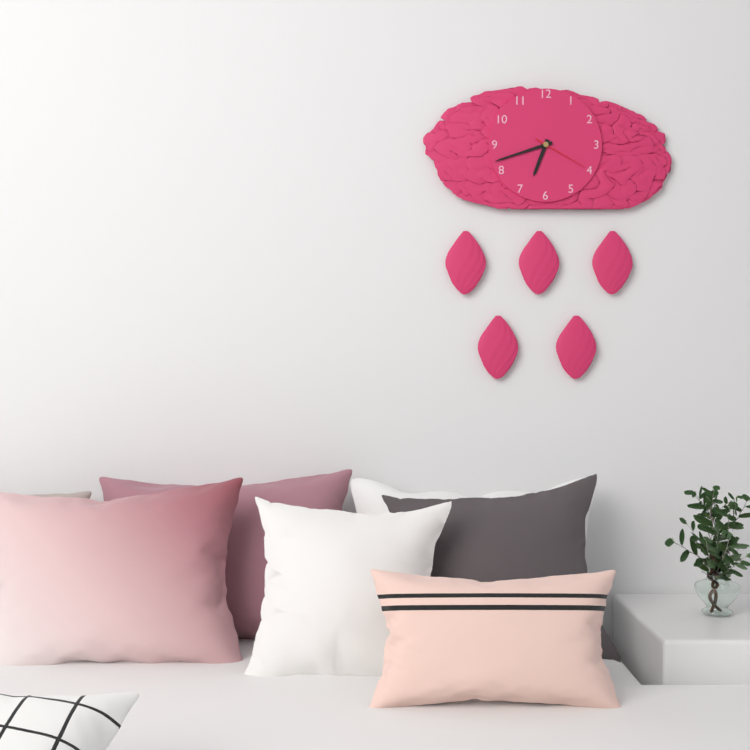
6:42:20
